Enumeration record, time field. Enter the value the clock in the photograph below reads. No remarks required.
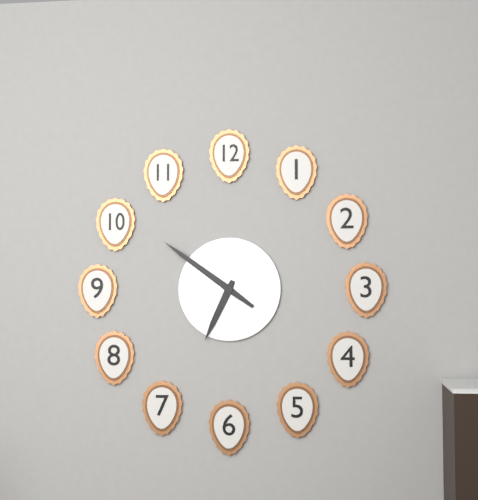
6:51
